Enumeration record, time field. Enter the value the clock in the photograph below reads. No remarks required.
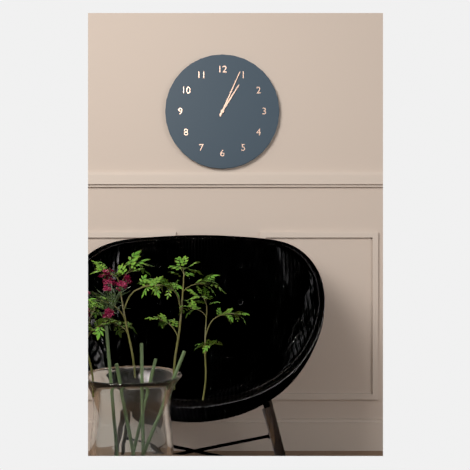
1:04
